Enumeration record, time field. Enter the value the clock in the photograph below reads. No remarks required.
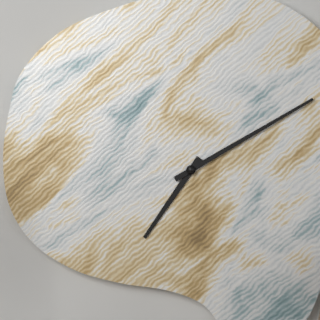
7:10
